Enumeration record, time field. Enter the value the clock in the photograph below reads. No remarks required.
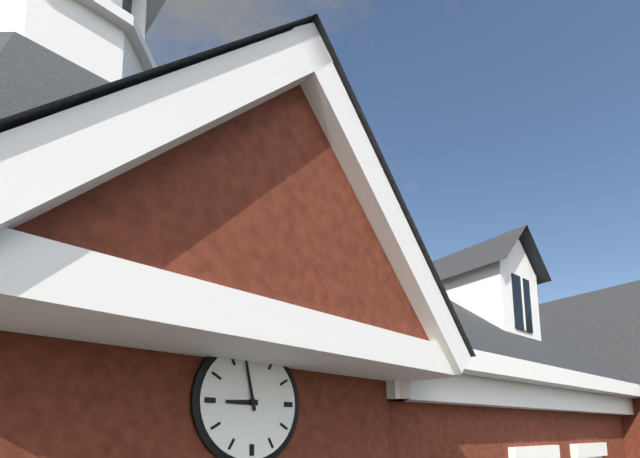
8:58
